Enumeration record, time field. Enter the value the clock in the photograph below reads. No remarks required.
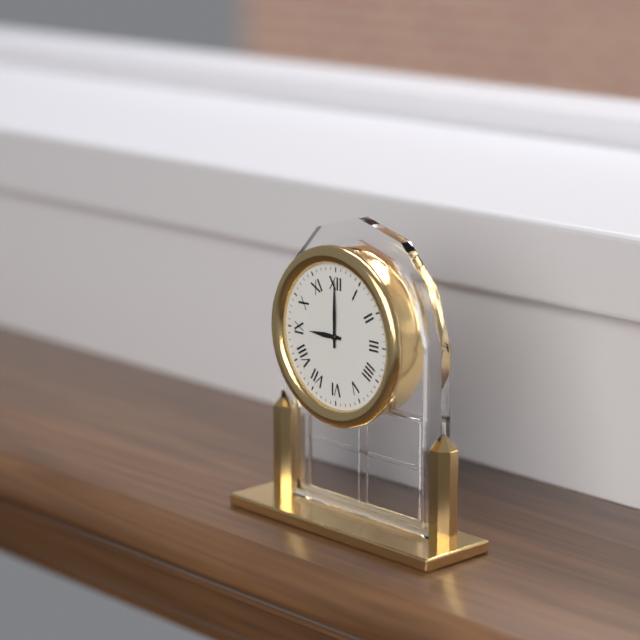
9:00
